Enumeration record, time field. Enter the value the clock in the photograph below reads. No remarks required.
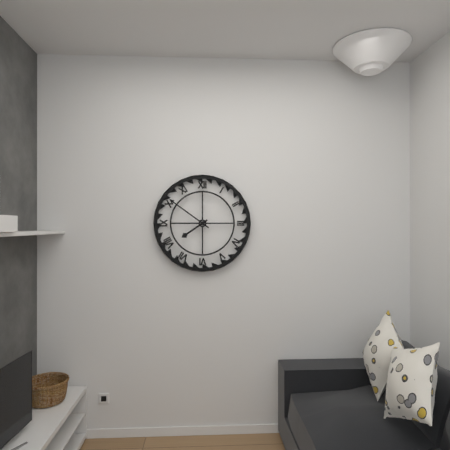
7:51
